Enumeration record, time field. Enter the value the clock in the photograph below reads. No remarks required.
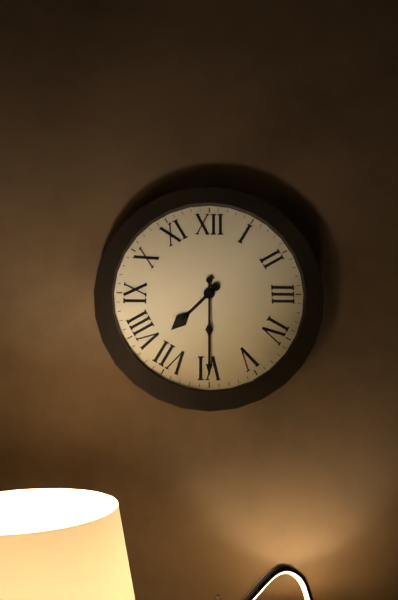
7:30
